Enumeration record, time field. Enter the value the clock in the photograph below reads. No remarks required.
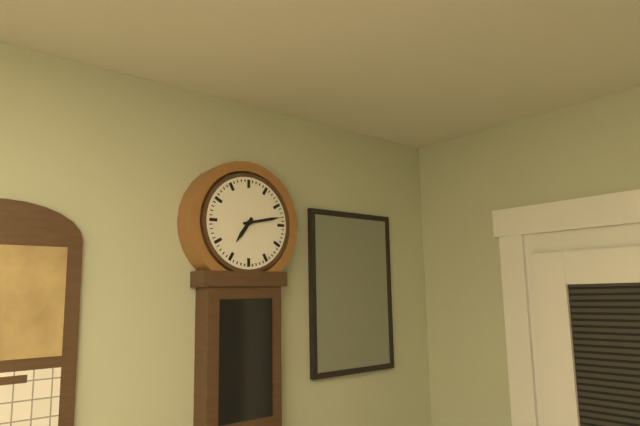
7:13
